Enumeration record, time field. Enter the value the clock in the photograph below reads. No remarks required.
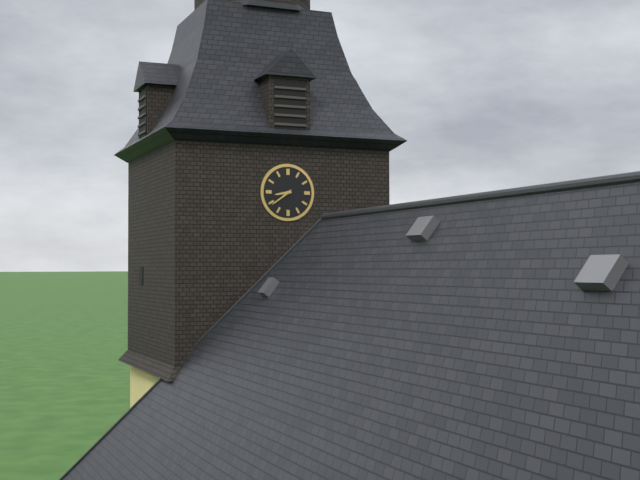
8:39
